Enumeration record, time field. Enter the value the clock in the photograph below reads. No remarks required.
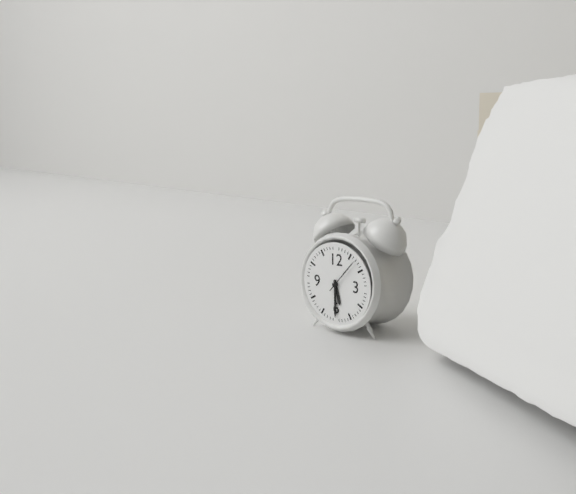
5:30
